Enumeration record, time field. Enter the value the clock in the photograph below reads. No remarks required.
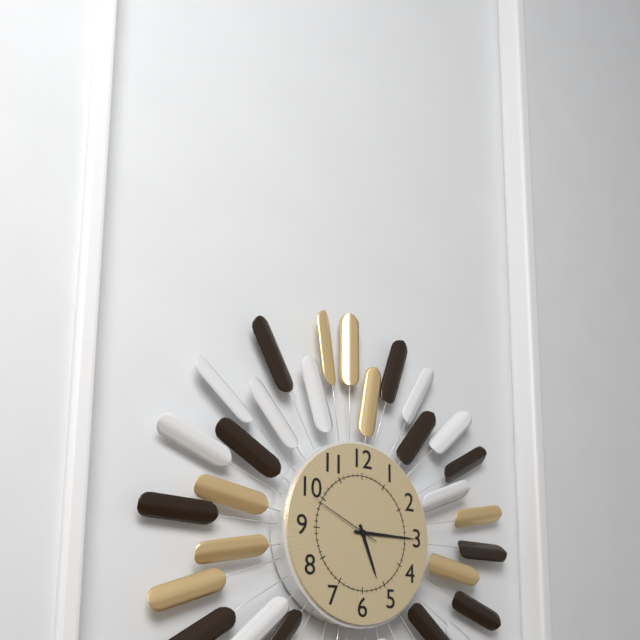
5:15:49
